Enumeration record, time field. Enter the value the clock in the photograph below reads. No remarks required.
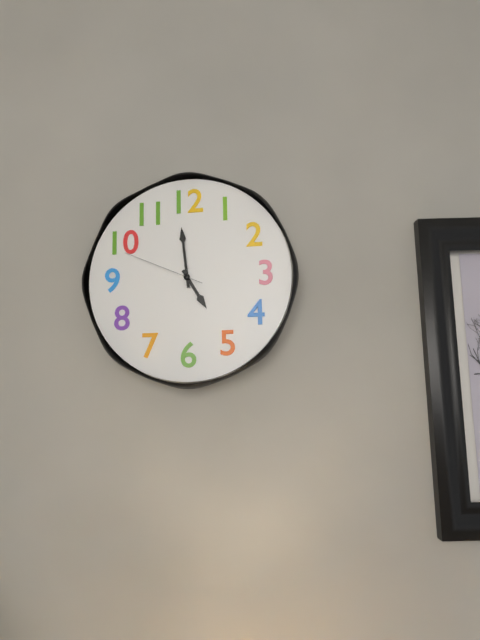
4:59:49
